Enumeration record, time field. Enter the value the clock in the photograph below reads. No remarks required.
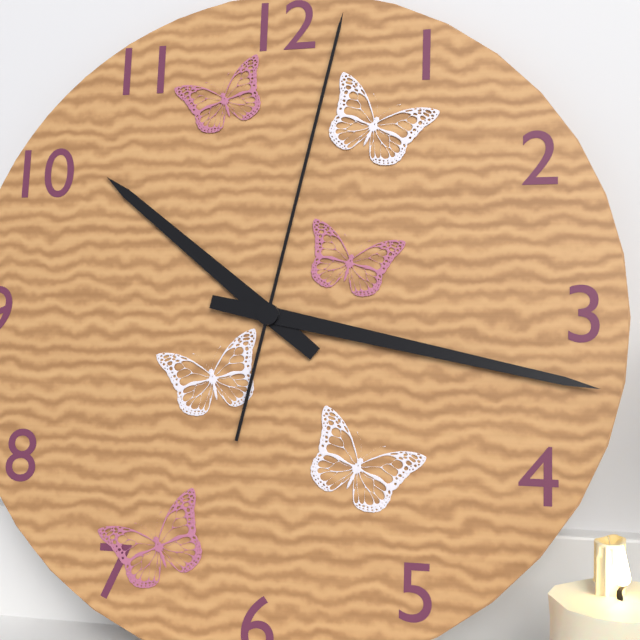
10:17:02
